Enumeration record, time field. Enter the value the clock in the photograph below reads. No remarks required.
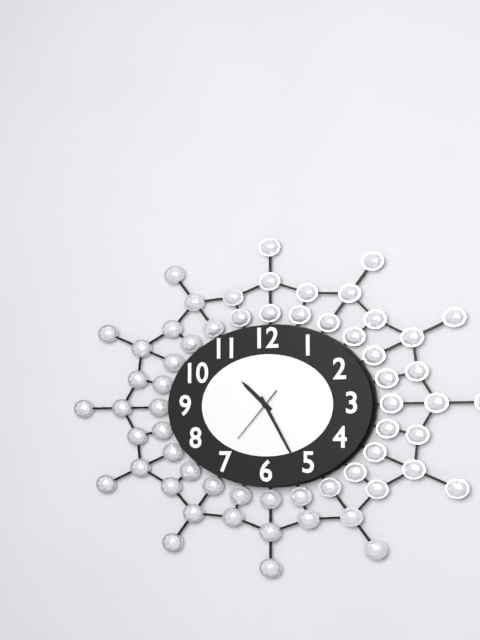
10:25:37
